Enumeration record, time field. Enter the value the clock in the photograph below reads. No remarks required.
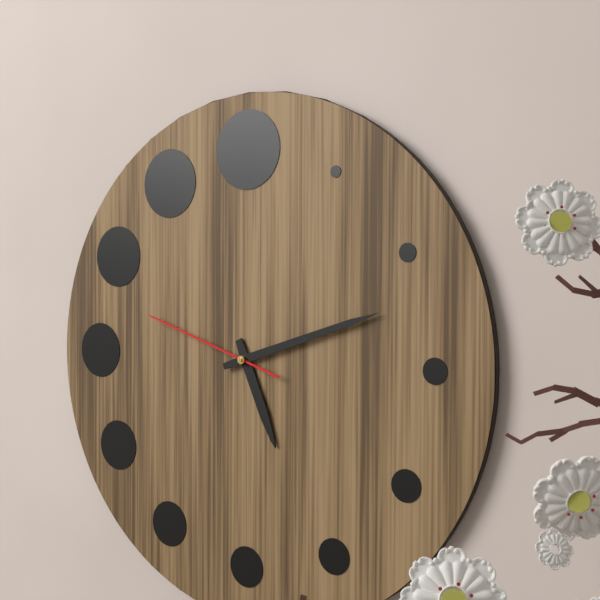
5:12:48
